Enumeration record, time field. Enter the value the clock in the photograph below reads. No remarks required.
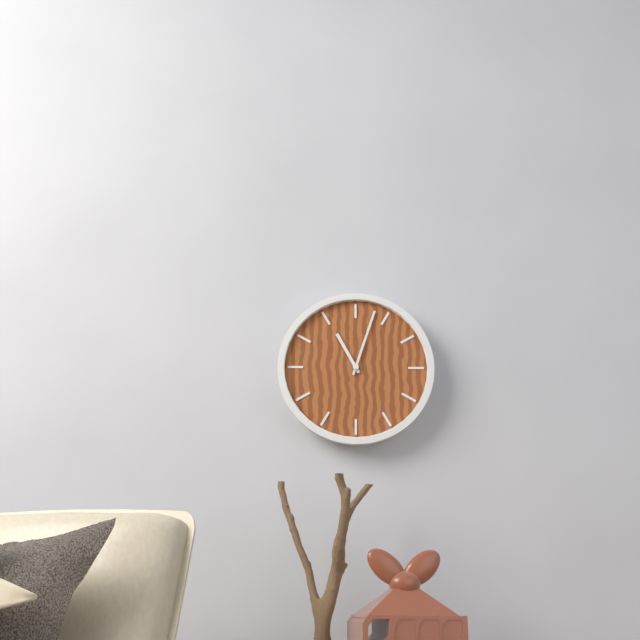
11:03
